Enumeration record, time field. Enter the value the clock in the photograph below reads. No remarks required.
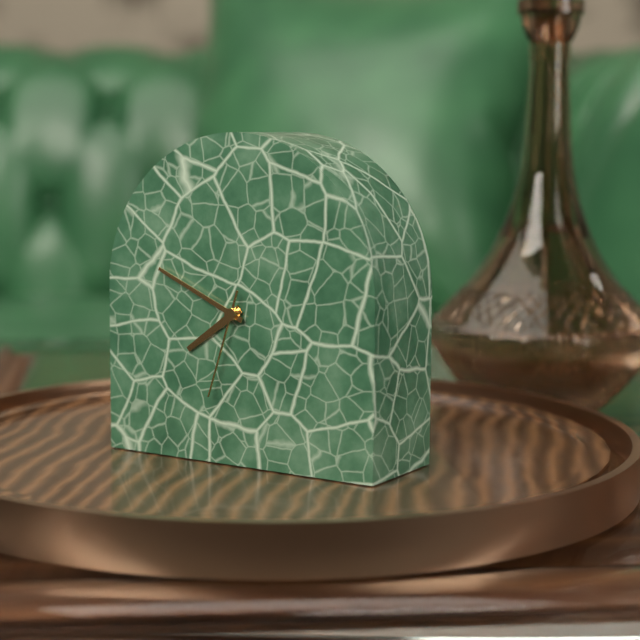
7:49:33
